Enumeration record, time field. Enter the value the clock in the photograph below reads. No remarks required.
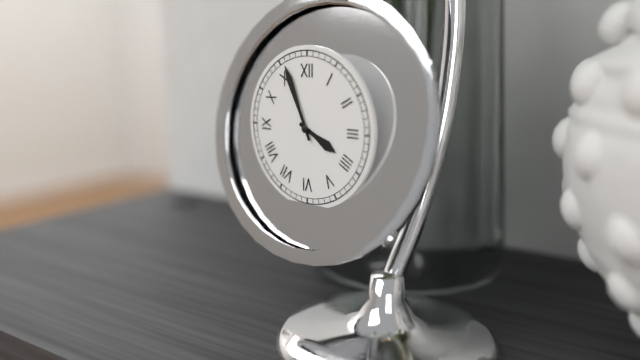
3:56
